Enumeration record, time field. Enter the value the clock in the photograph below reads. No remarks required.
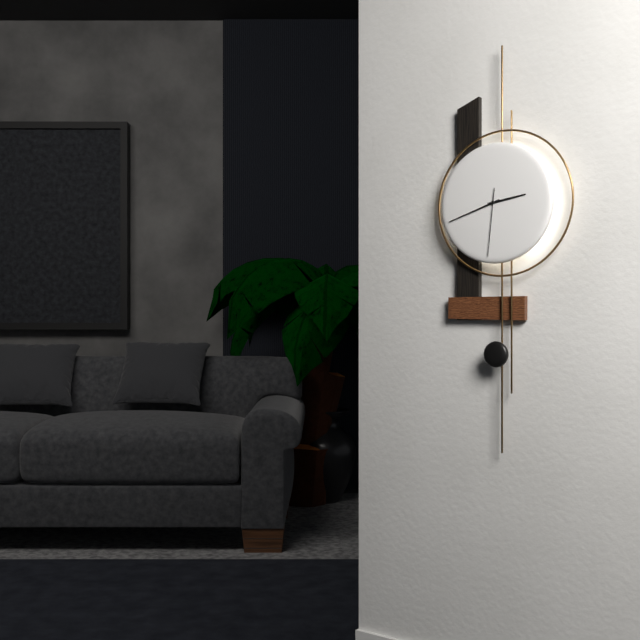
2:42:31
